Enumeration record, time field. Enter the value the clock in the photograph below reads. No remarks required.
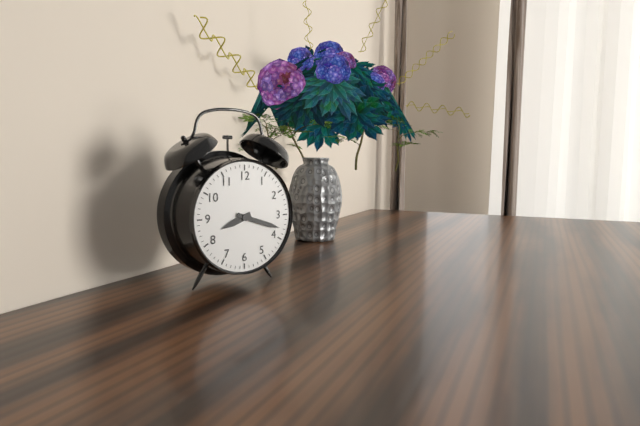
8:18
